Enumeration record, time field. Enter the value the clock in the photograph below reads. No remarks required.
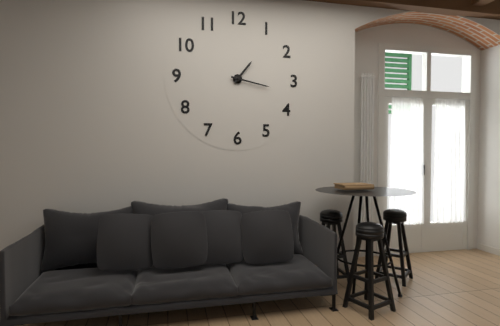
1:17
